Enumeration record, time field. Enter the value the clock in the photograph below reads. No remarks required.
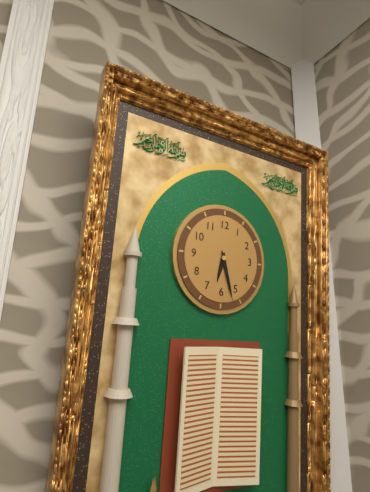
6:27
